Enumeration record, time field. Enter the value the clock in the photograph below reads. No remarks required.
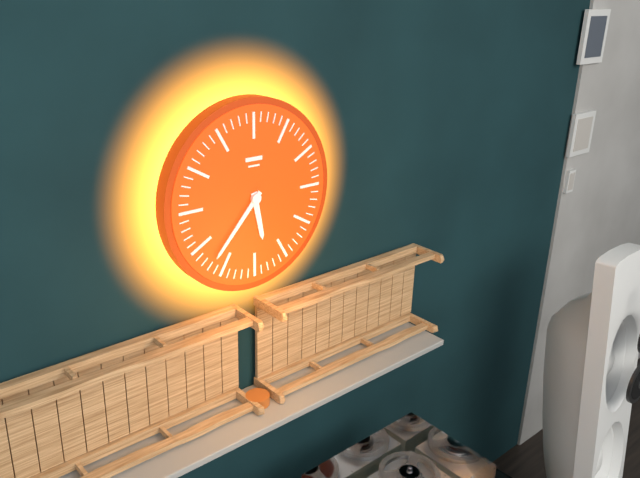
5:37
